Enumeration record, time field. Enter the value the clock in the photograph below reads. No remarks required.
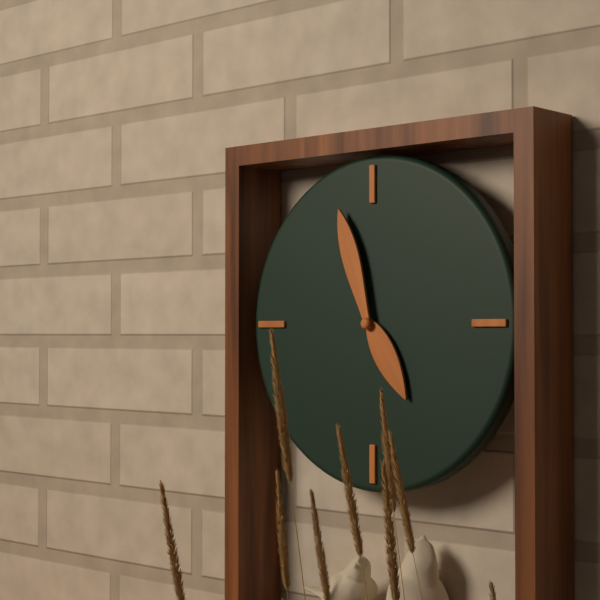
4:57
